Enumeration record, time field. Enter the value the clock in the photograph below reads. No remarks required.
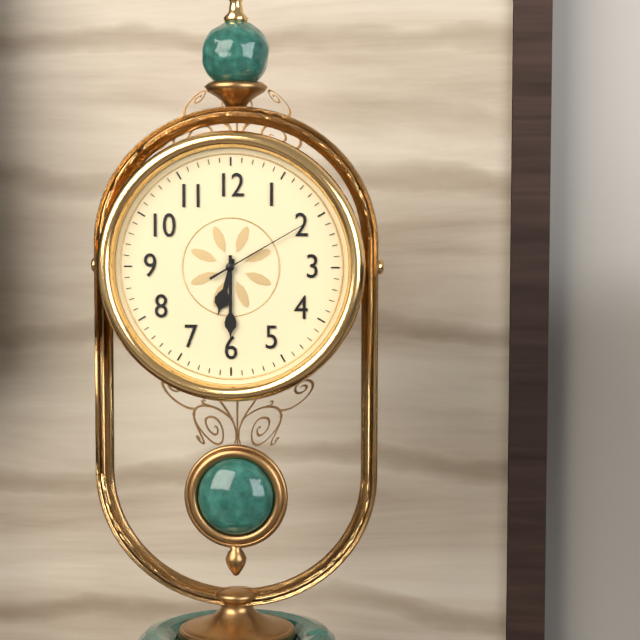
6:30:10
